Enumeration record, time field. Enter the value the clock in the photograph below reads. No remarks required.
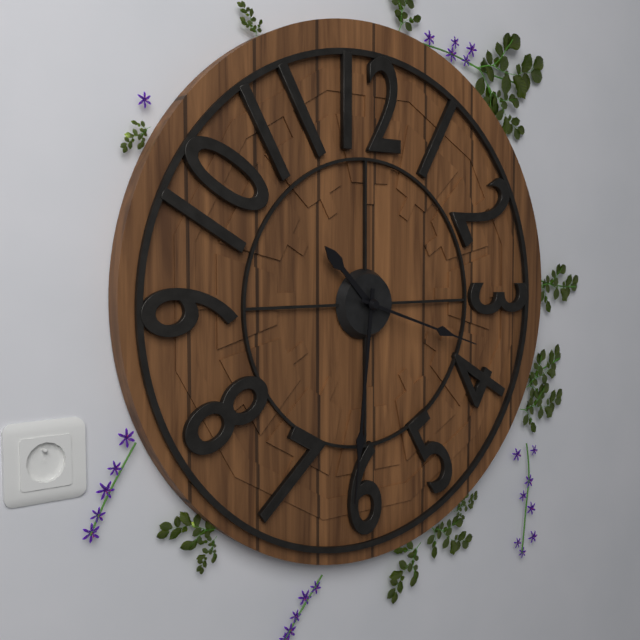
10:31:18
